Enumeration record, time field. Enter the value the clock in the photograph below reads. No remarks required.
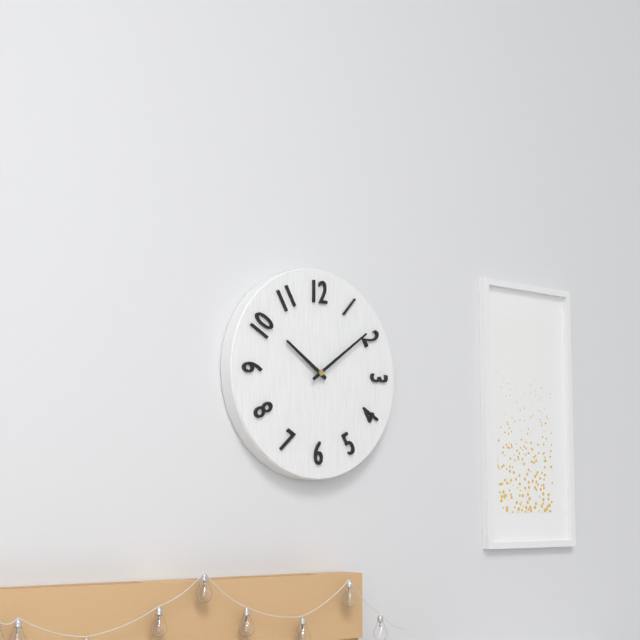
10:09
